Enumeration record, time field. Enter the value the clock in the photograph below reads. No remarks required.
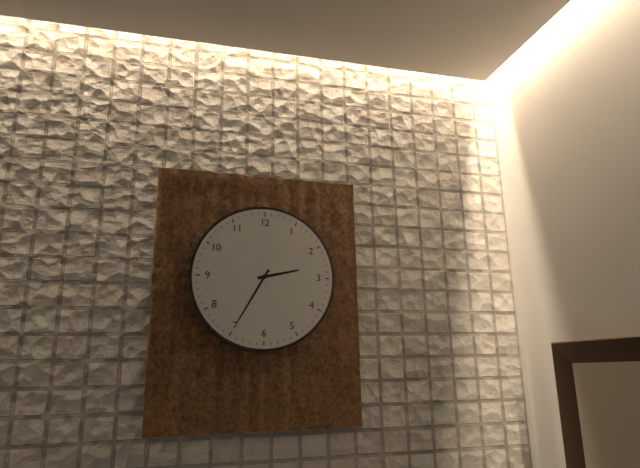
2:35
